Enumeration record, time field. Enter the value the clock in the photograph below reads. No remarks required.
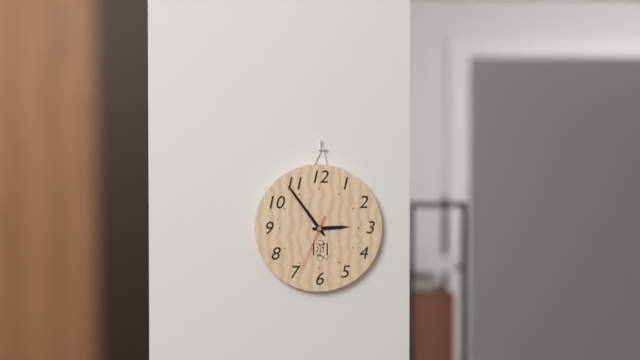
2:54:34
